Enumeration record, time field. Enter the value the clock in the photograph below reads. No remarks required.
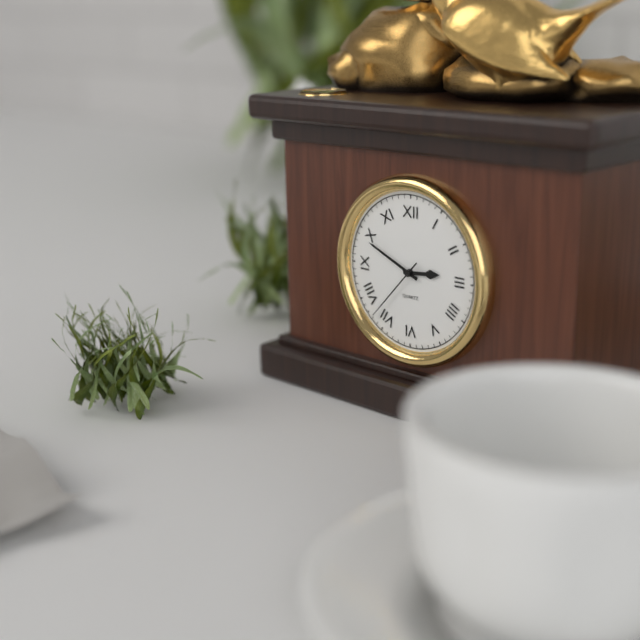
2:49:37
